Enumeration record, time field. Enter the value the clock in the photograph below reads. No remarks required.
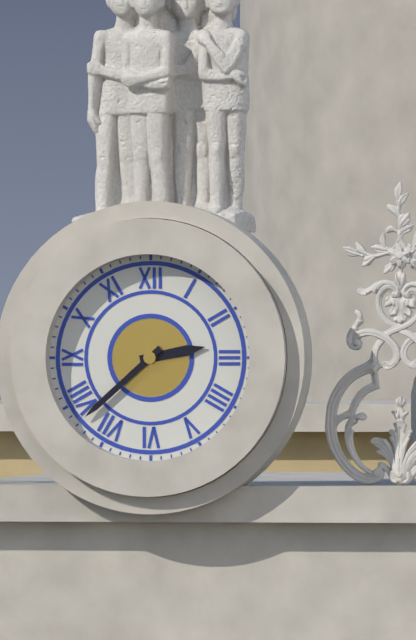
2:38
